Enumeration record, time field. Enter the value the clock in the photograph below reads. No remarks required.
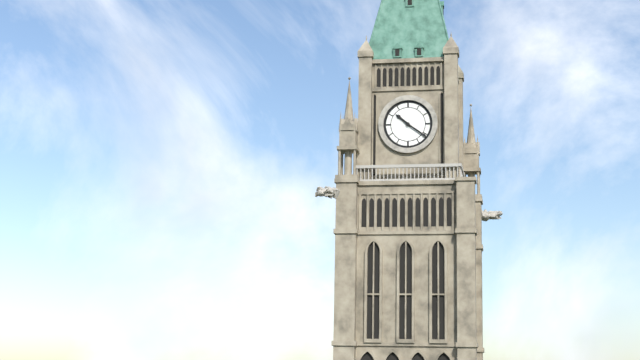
10:21
